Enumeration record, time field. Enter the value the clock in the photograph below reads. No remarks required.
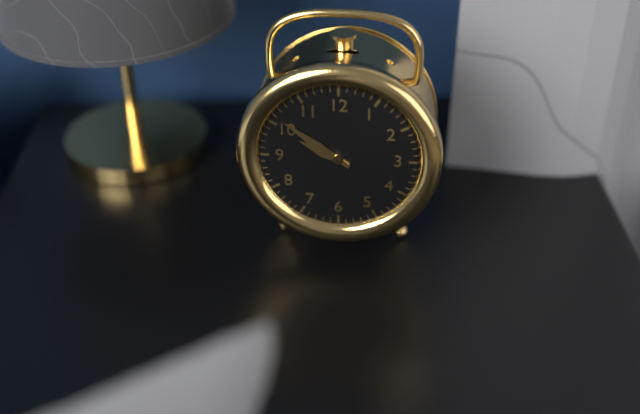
9:51
